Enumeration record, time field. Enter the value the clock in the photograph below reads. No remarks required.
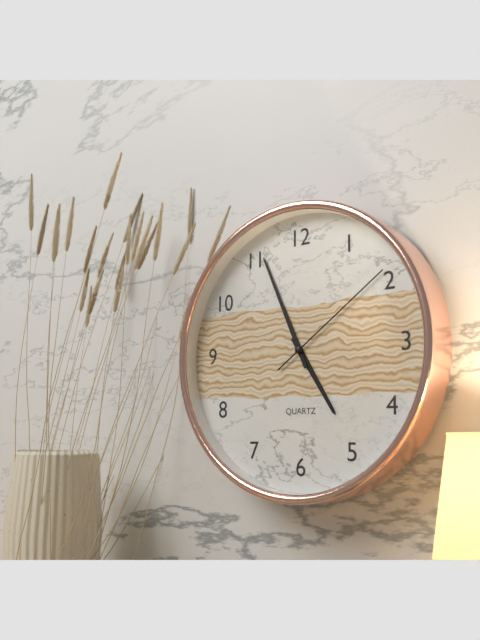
4:56:09
